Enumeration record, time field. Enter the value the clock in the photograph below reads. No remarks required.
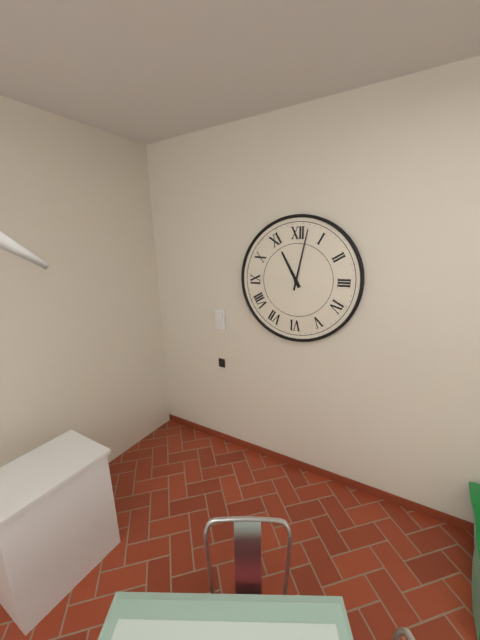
11:02
